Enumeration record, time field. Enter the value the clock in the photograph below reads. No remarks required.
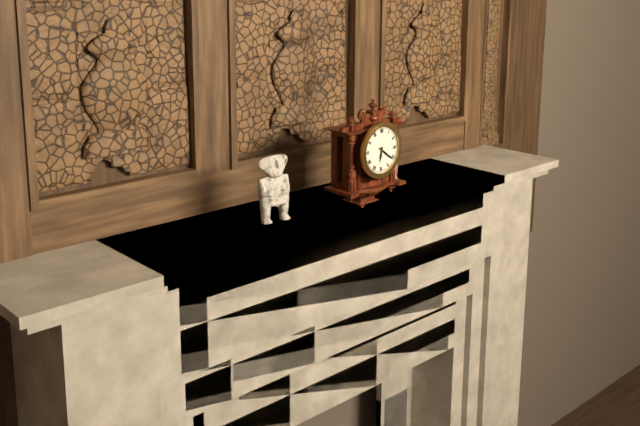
6:21
